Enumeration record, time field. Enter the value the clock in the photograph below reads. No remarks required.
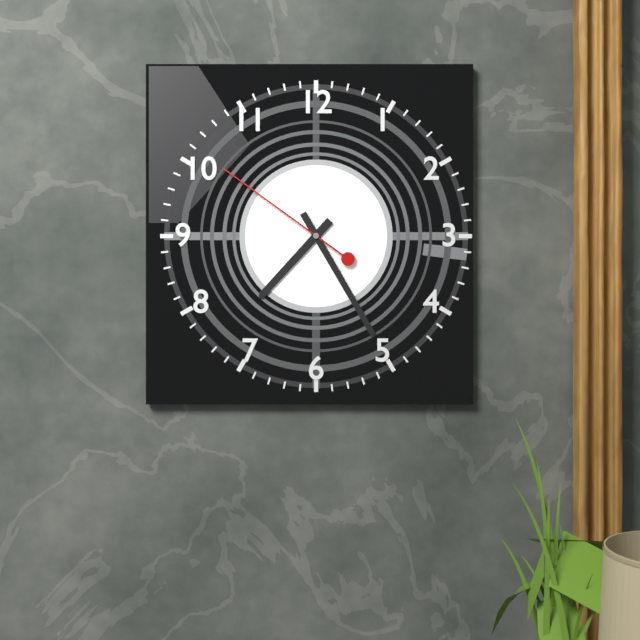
7:25:51
